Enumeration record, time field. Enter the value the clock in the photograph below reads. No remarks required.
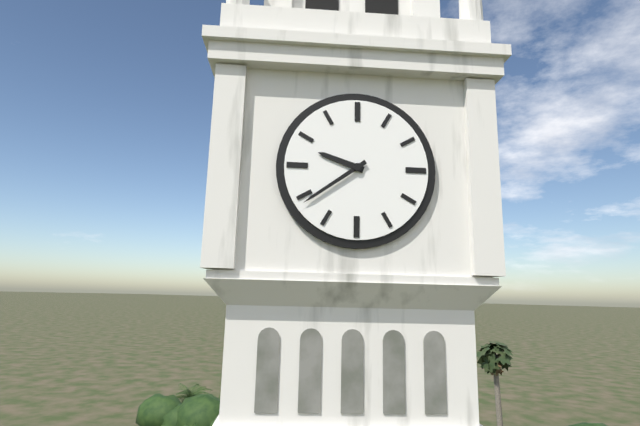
9:39
